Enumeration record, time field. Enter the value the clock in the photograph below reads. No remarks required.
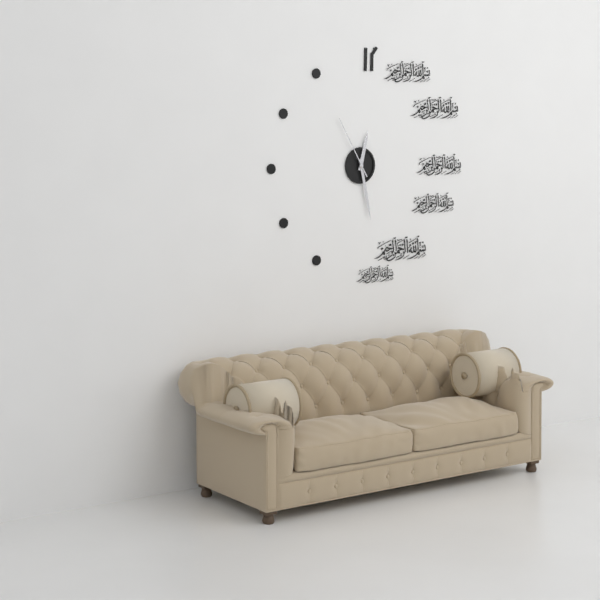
12:28:55
